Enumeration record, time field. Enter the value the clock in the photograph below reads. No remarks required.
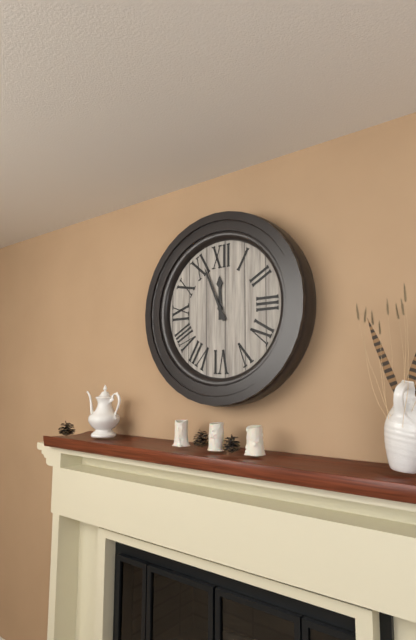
11:56
